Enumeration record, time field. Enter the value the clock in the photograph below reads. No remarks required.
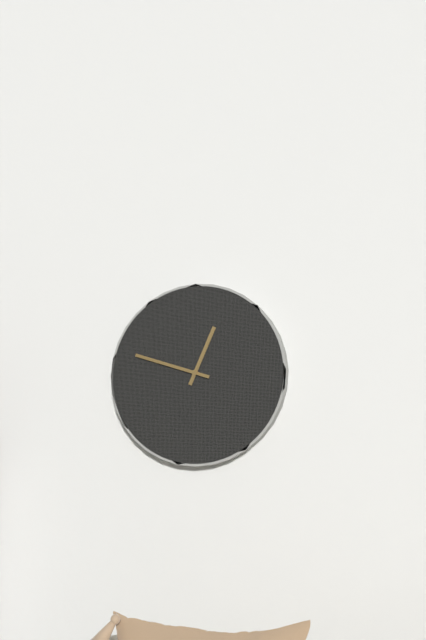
12:48
